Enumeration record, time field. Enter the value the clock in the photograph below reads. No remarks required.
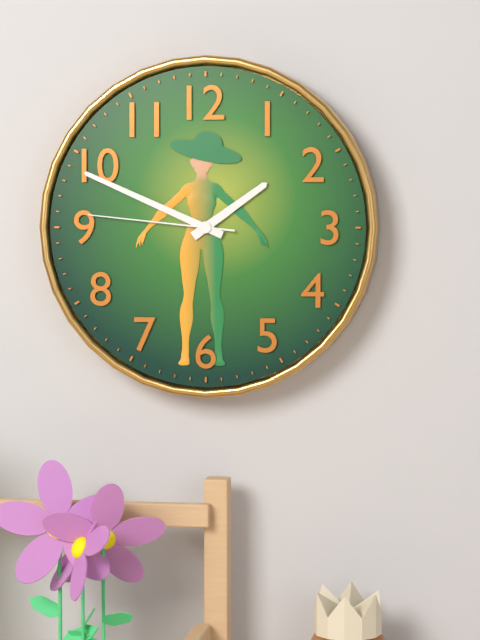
1:49:46
